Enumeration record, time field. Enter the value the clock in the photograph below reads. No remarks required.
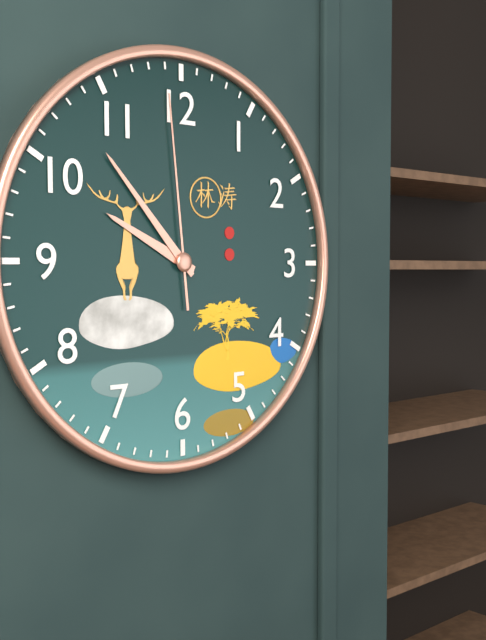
9:53:59
